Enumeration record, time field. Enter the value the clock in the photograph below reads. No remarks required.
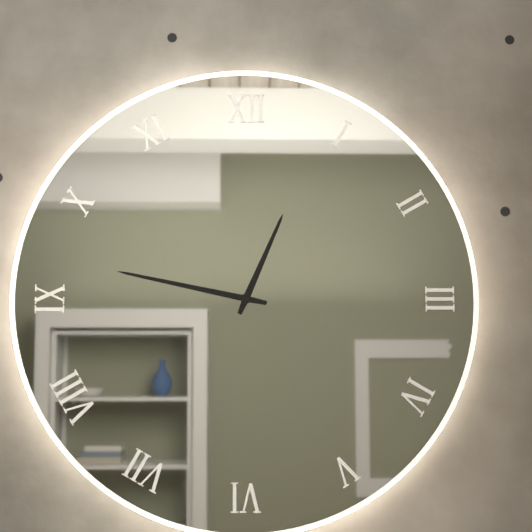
12:47
